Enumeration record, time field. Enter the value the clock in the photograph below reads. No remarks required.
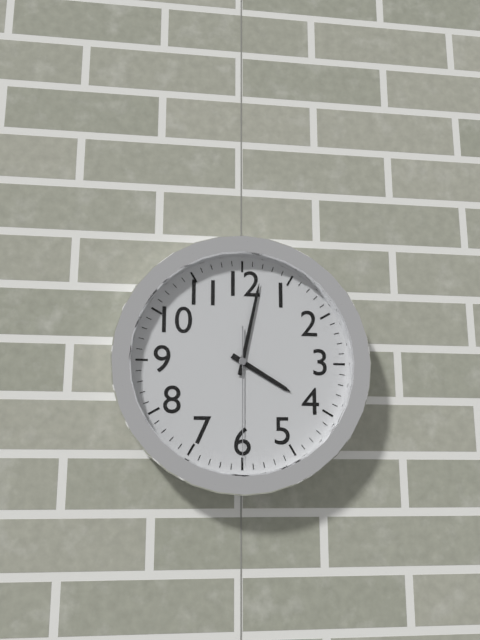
4:02:30
